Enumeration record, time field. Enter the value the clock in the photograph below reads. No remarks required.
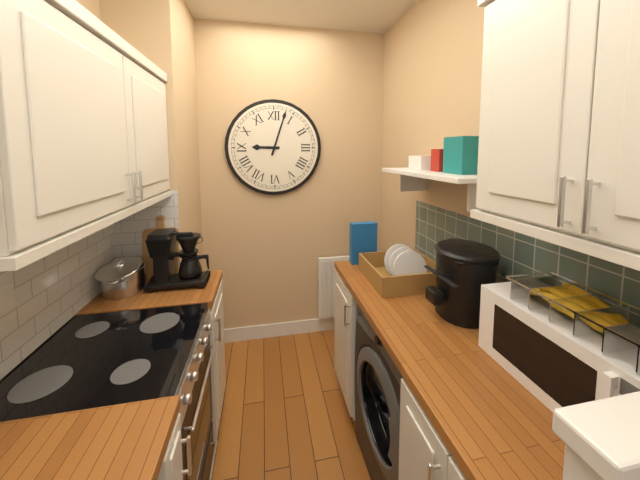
9:03
